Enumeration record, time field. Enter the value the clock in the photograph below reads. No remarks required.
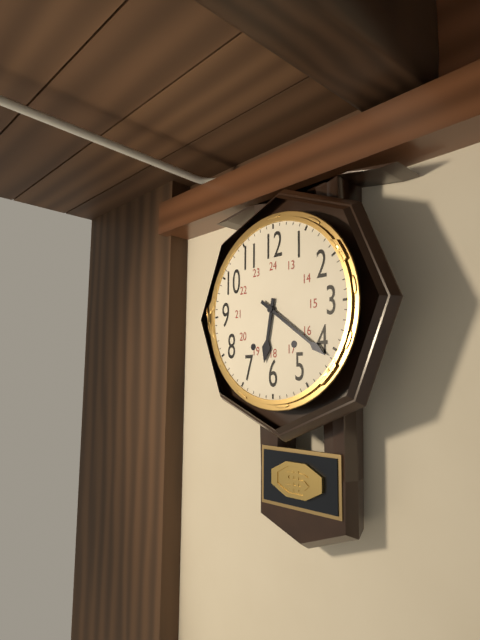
6:21
